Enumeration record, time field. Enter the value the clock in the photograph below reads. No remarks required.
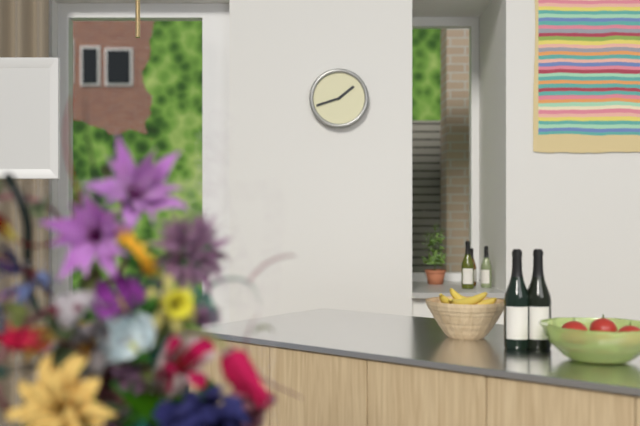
1:42
